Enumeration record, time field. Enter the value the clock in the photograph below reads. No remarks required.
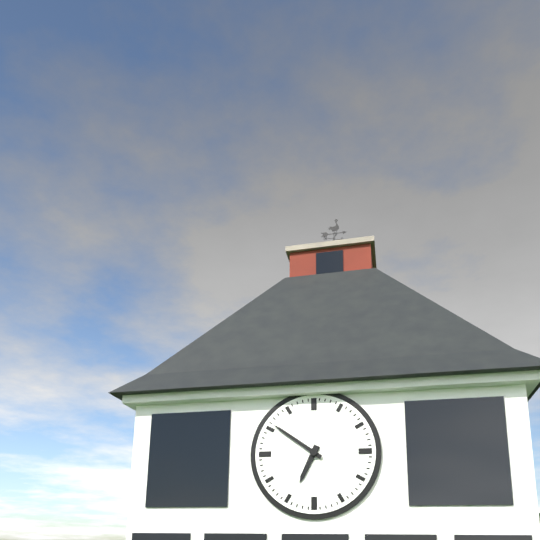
6:51
